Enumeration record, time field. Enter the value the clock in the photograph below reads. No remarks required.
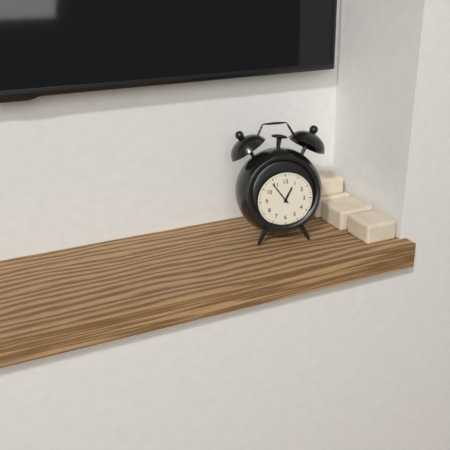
12:54
